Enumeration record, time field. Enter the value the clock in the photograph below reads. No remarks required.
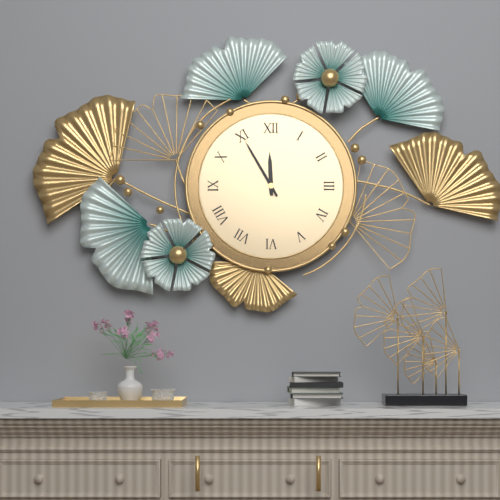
11:55
